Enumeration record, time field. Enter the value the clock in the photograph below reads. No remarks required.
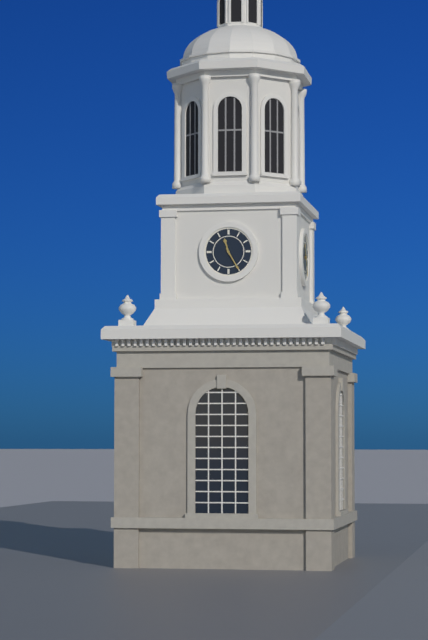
11:25
